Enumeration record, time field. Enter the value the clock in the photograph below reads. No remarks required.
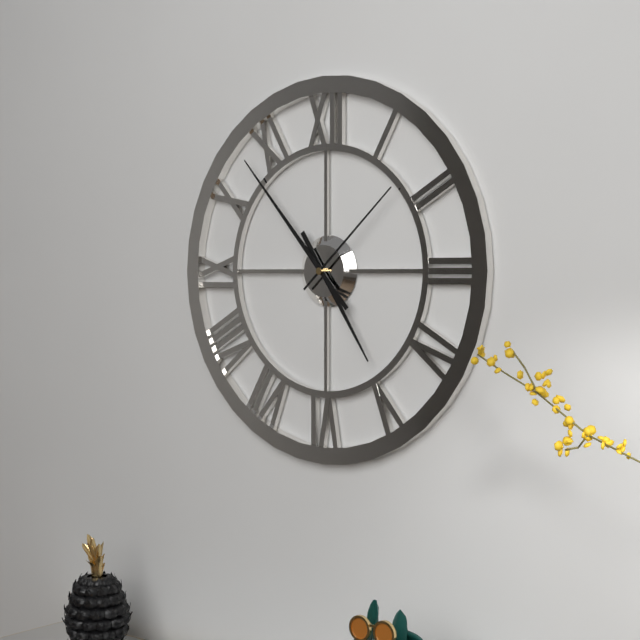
4:53:08
